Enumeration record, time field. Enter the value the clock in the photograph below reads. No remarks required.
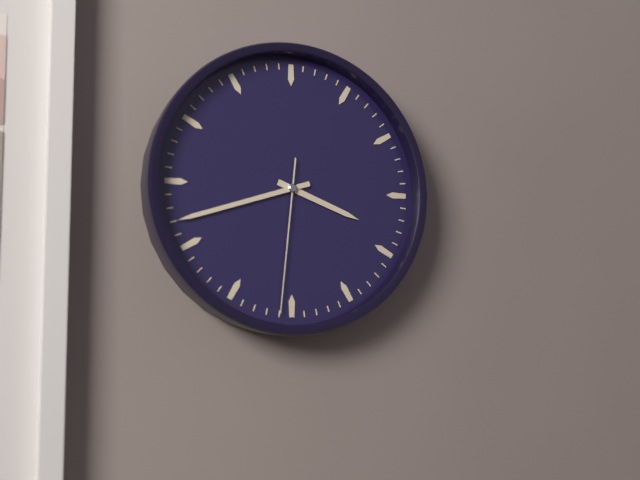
3:42:31
